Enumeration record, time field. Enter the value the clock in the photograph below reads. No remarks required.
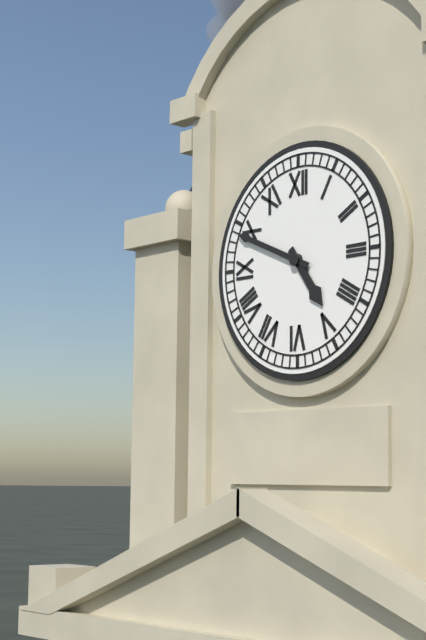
4:49
